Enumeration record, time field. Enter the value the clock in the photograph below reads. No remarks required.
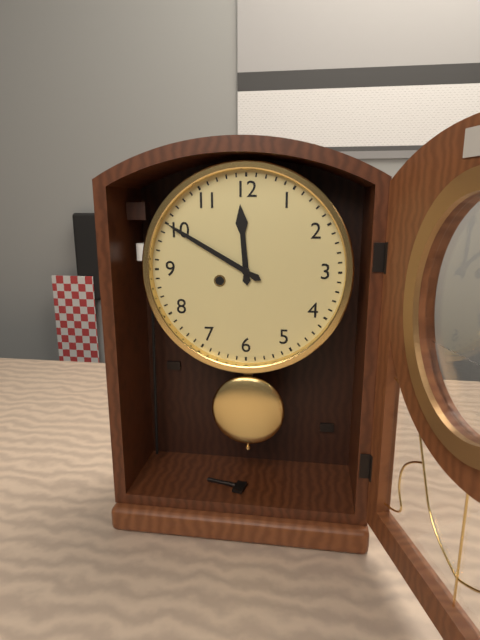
11:50
